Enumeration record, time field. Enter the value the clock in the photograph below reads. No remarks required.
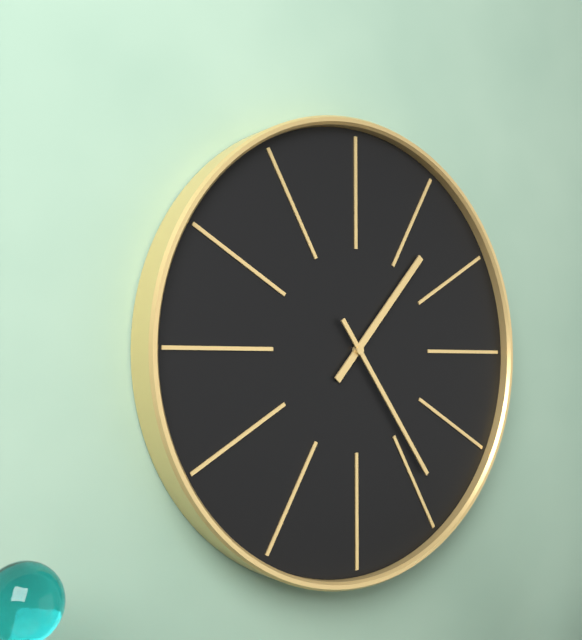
1:24
